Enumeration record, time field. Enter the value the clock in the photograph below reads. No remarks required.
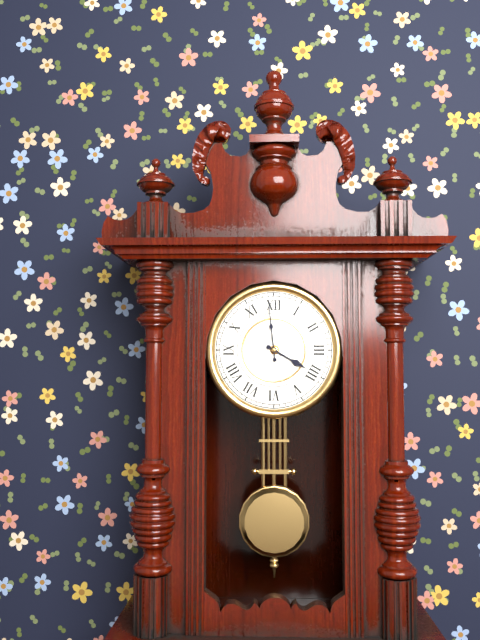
3:59
